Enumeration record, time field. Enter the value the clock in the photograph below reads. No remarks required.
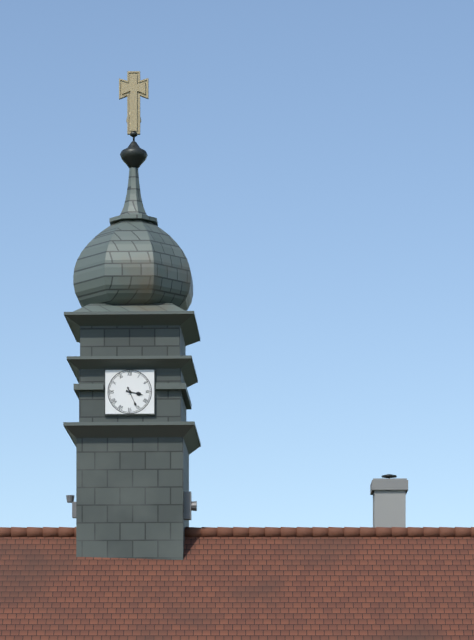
3:26
